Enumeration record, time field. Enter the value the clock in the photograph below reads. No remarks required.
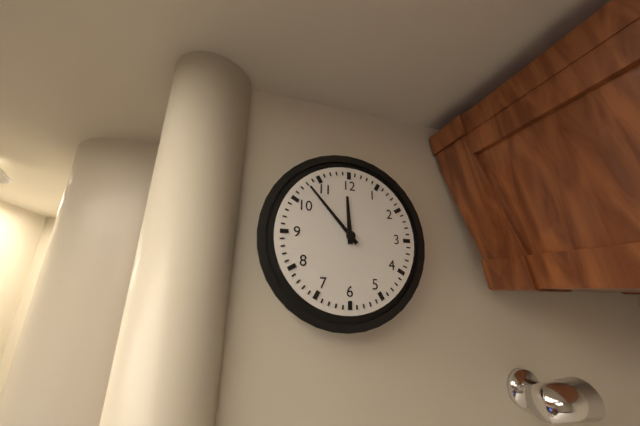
11:53
